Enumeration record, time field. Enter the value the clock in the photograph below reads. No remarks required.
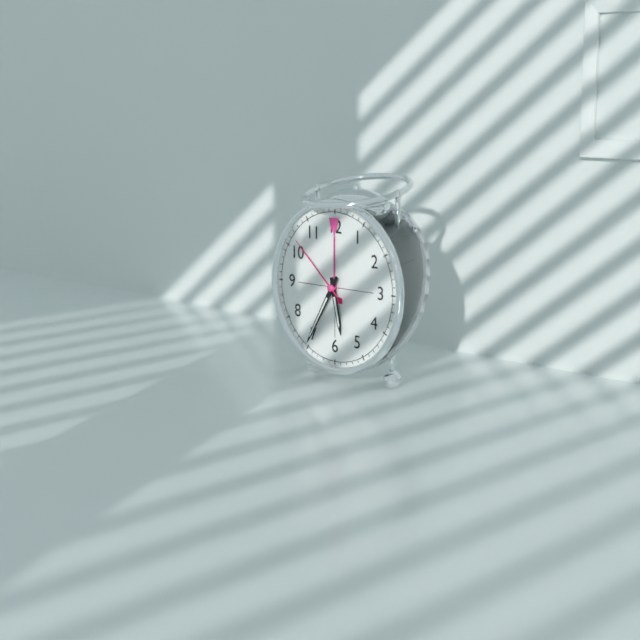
5:35:52
